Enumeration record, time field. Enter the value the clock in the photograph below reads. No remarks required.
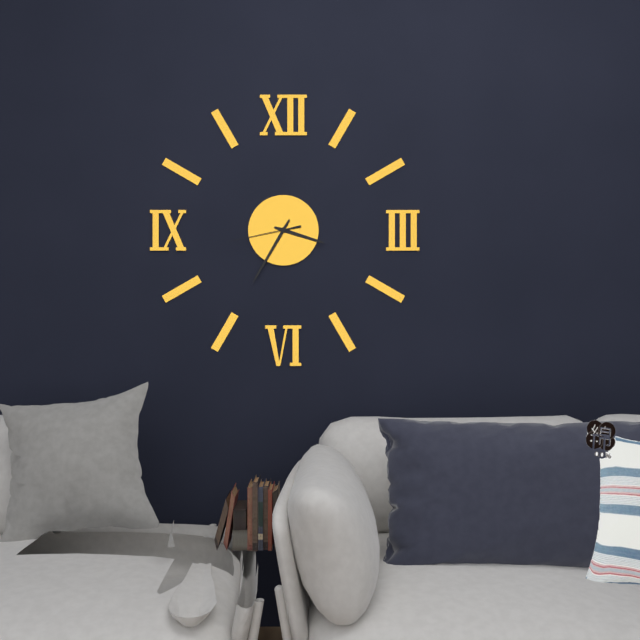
3:35:43
